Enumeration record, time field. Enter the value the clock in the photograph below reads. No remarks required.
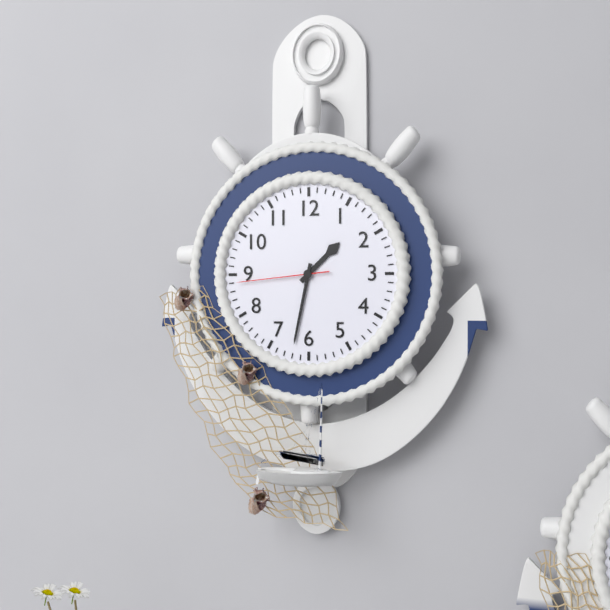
1:32:44
